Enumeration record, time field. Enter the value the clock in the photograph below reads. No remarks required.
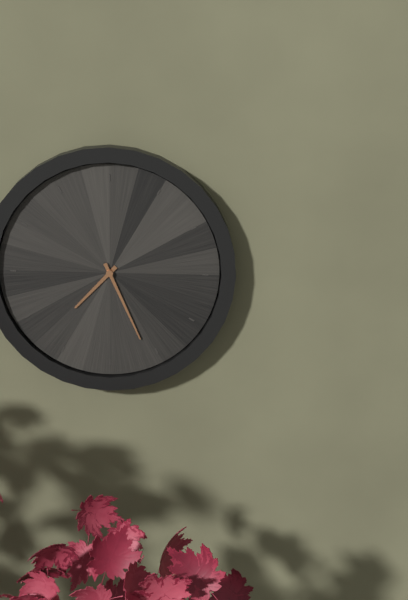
7:26
